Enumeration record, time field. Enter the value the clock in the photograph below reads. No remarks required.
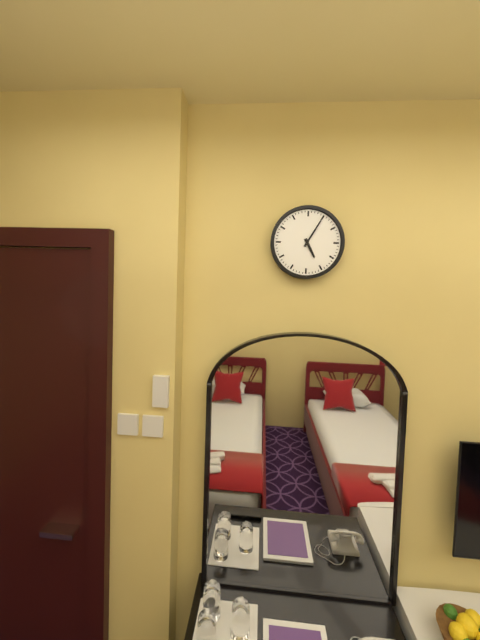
5:05
